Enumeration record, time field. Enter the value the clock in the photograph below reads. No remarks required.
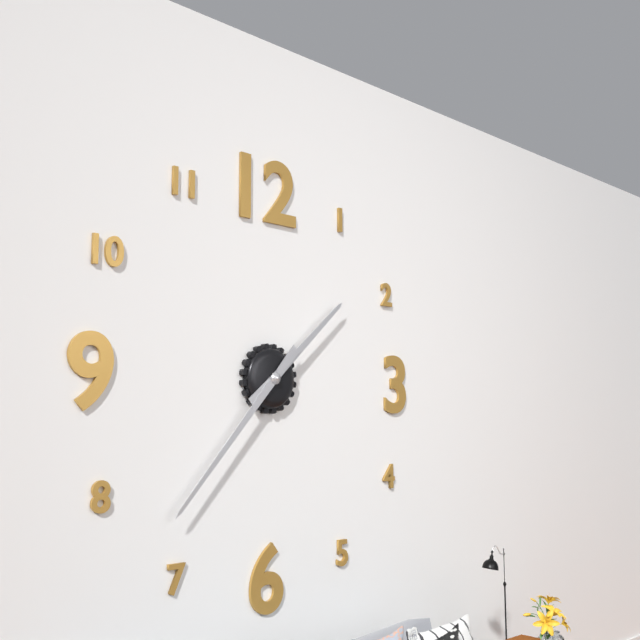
1:37
